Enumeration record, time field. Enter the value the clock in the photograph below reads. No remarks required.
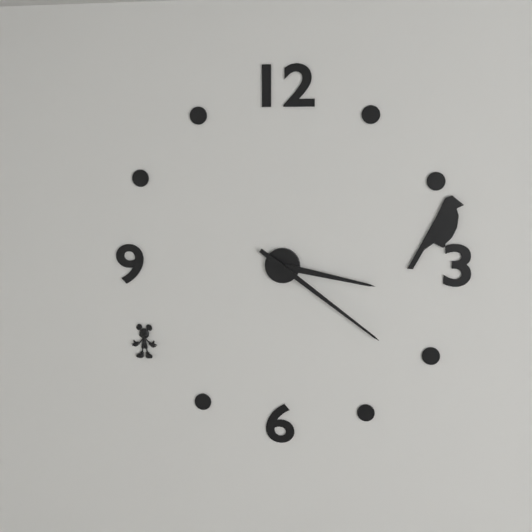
3:21
